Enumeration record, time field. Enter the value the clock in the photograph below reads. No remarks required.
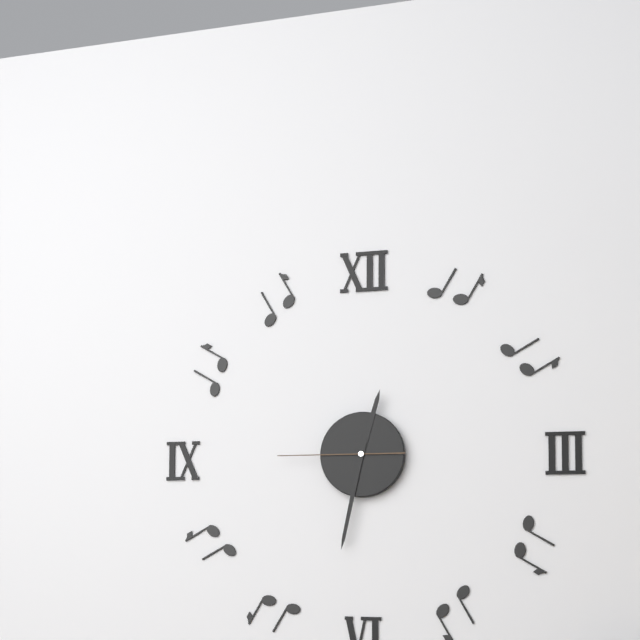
12:32:45
